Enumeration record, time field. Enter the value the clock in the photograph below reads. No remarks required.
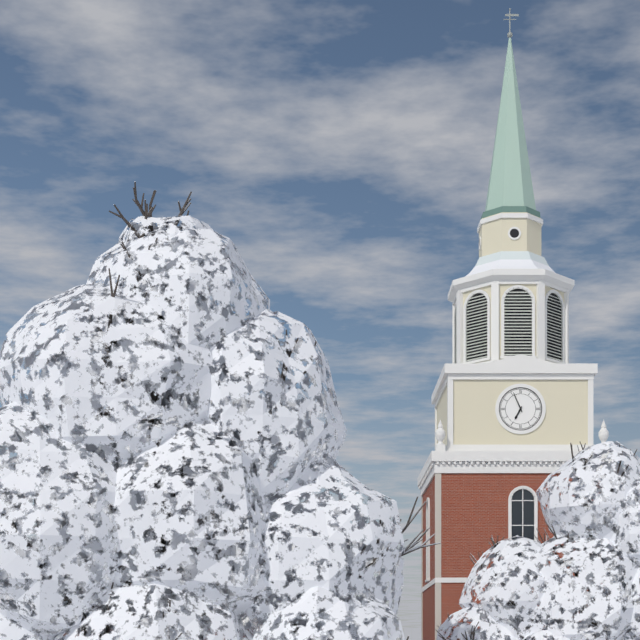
6:56
